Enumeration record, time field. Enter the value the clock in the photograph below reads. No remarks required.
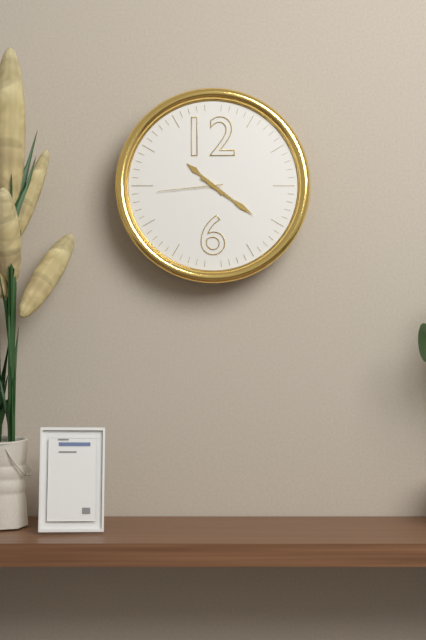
10:21:44
